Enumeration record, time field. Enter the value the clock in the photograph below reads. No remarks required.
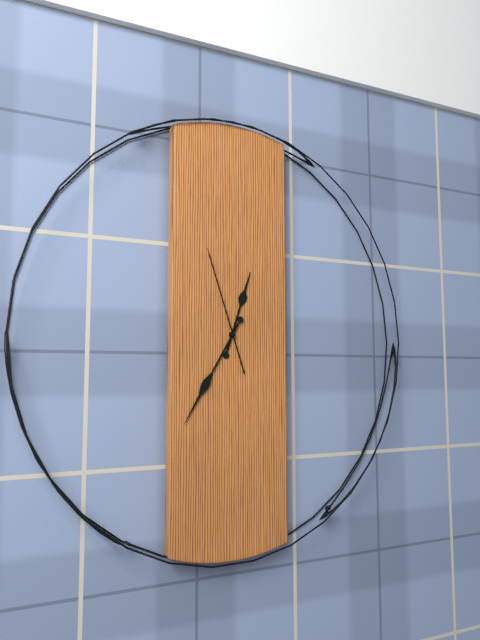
12:35:57
